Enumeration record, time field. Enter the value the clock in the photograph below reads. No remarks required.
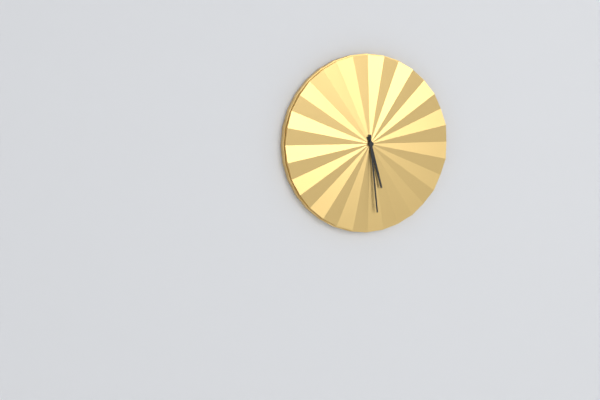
5:29
